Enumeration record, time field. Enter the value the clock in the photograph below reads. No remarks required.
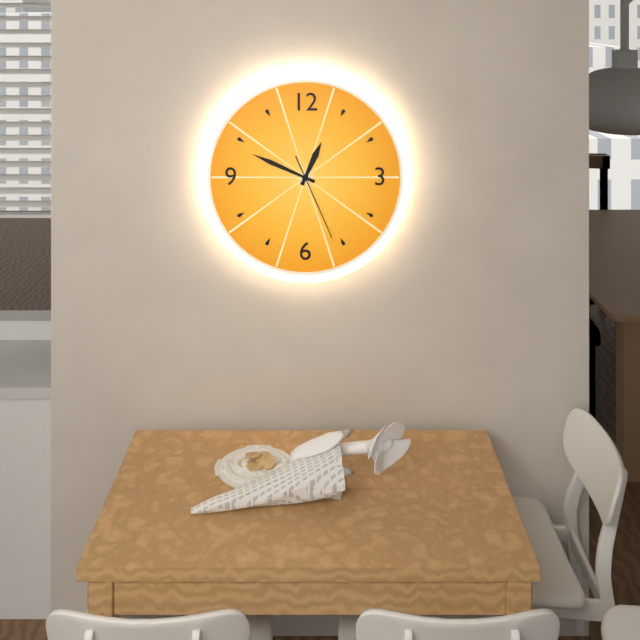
12:49:26
